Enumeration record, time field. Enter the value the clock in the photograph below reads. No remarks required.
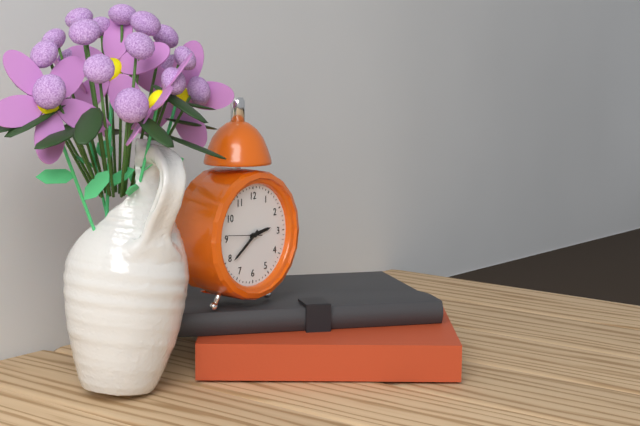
2:39
